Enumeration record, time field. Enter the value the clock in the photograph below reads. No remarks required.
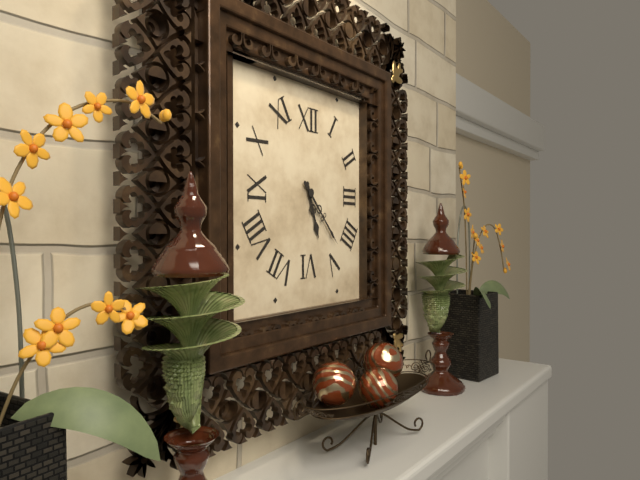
5:23
